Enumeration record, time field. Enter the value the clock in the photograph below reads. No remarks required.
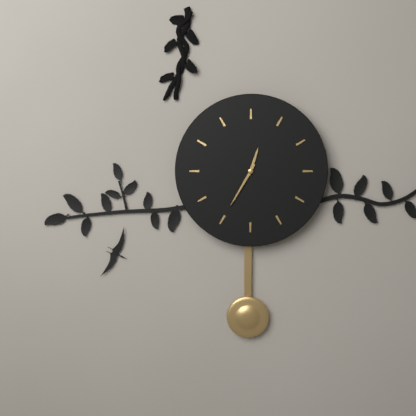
12:35
